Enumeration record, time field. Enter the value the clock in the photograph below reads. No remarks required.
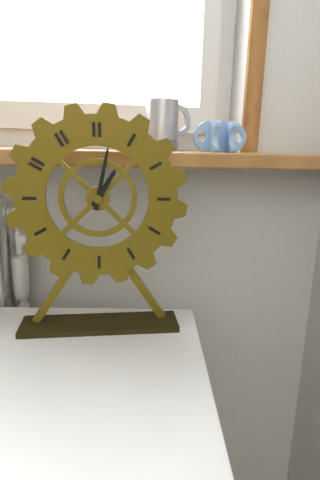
1:02
